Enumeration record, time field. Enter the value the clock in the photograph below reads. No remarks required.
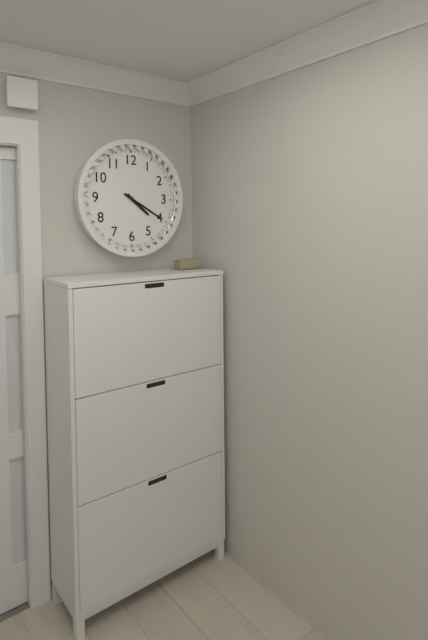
4:20
